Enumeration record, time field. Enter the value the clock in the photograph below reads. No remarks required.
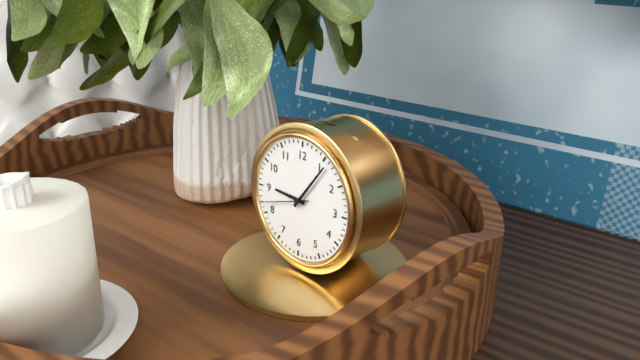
9:06
